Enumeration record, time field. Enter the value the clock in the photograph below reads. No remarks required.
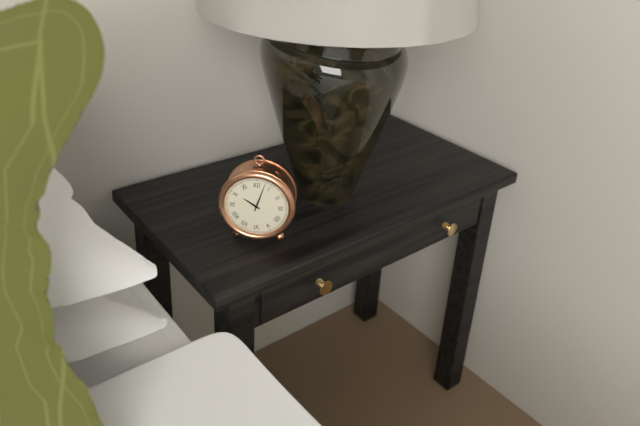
10:03
